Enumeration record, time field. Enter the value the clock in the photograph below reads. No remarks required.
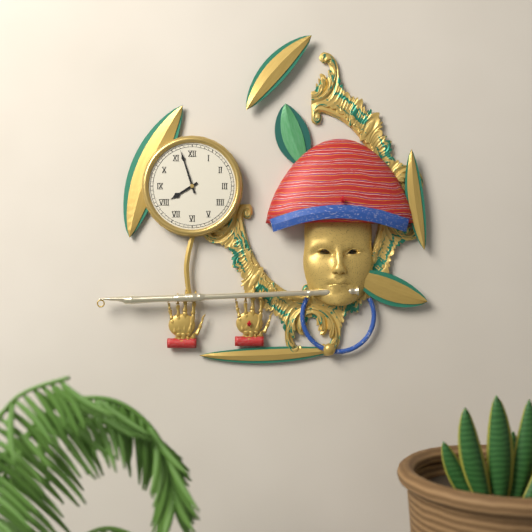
7:57
